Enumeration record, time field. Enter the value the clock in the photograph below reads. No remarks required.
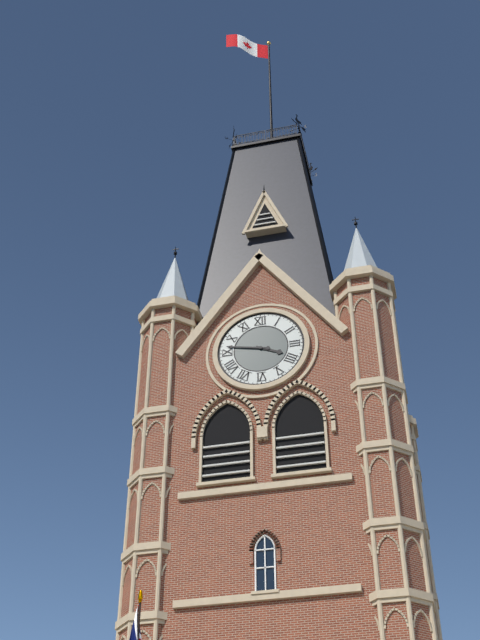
3:47
